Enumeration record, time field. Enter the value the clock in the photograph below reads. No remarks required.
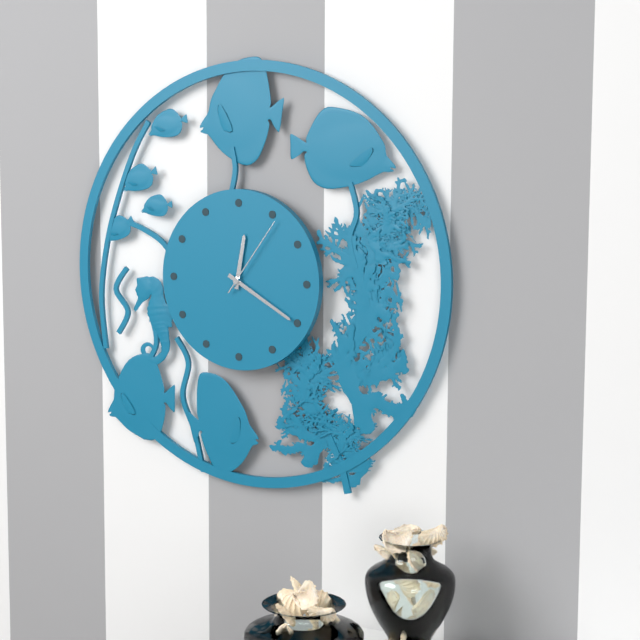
12:20:06
